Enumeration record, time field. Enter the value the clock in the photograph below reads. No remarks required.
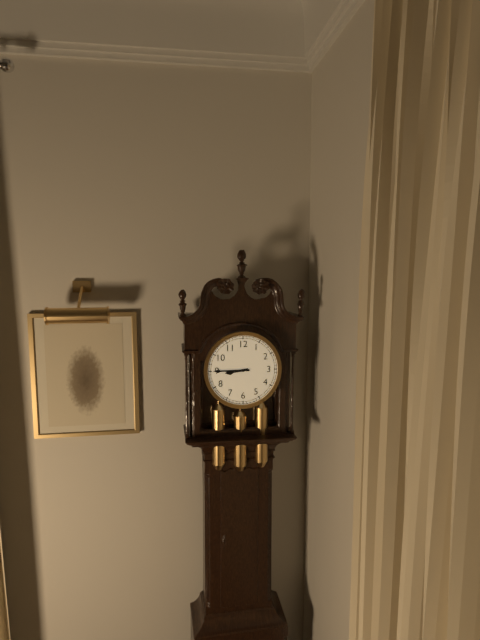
8:45
